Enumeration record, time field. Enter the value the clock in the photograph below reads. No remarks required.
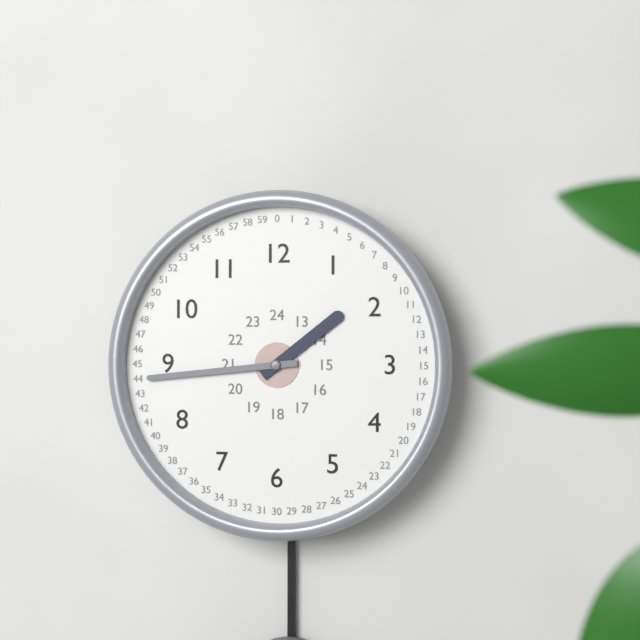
1:44
